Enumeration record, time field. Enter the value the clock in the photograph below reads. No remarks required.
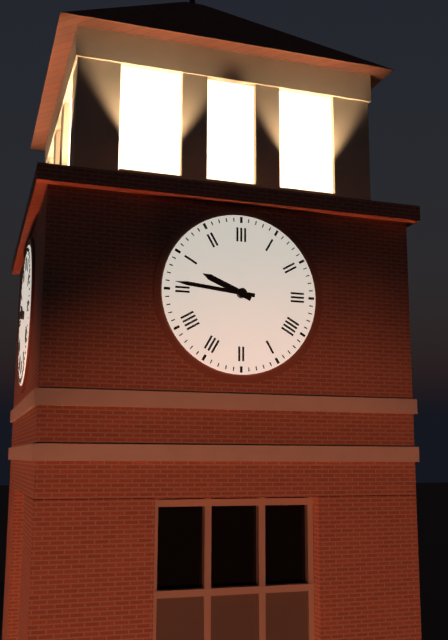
9:46
